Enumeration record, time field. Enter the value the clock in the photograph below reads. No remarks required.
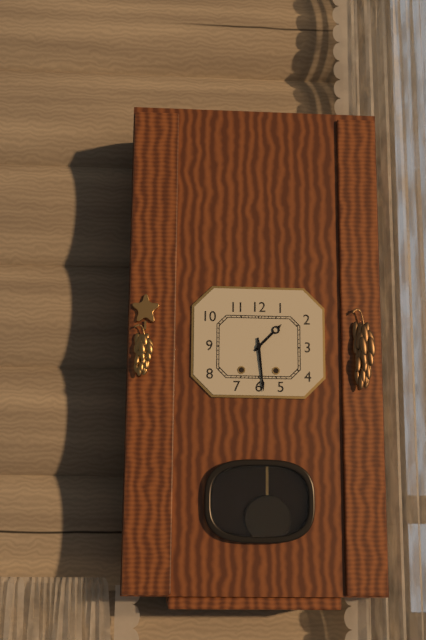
1:29
